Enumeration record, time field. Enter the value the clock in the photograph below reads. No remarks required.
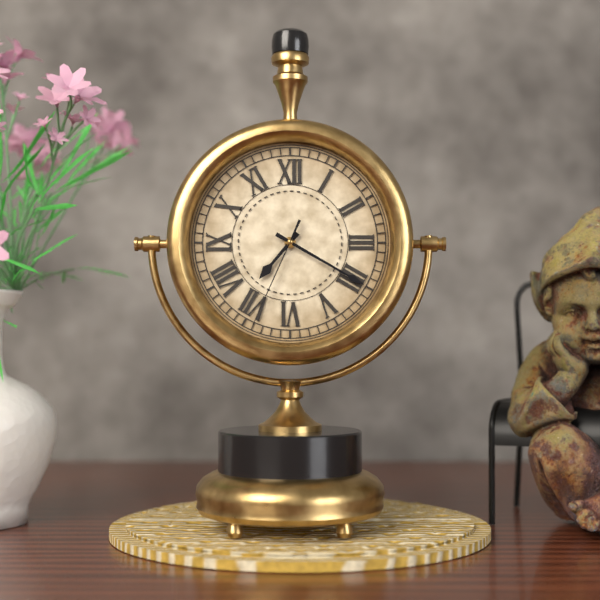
7:20:34
